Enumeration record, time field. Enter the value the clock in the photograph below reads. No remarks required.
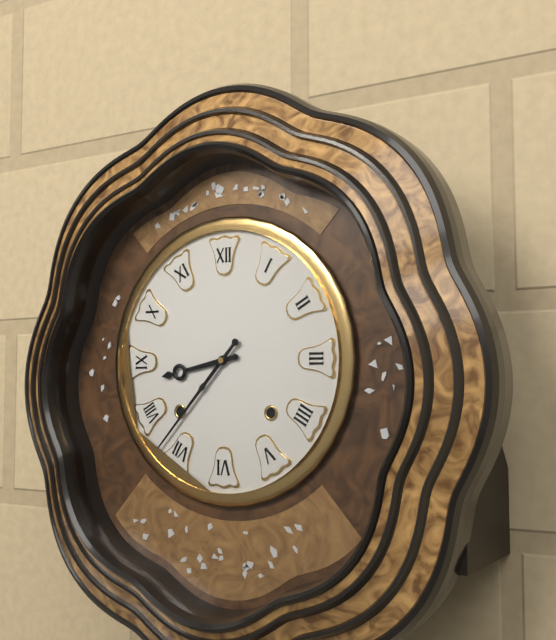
8:37
